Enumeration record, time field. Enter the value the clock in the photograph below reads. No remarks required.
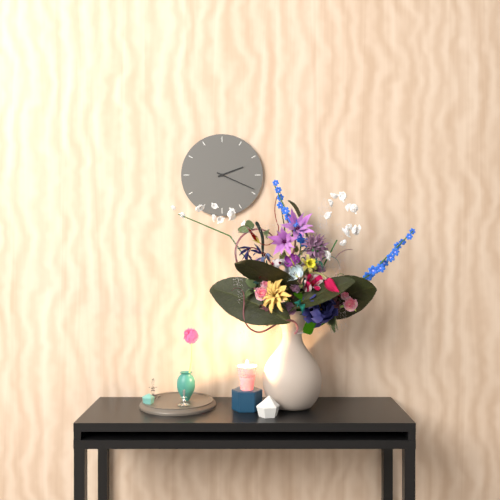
2:19
